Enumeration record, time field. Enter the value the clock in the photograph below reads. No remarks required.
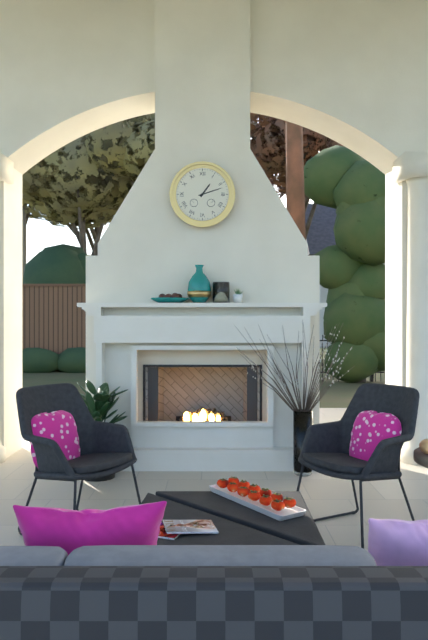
1:12
